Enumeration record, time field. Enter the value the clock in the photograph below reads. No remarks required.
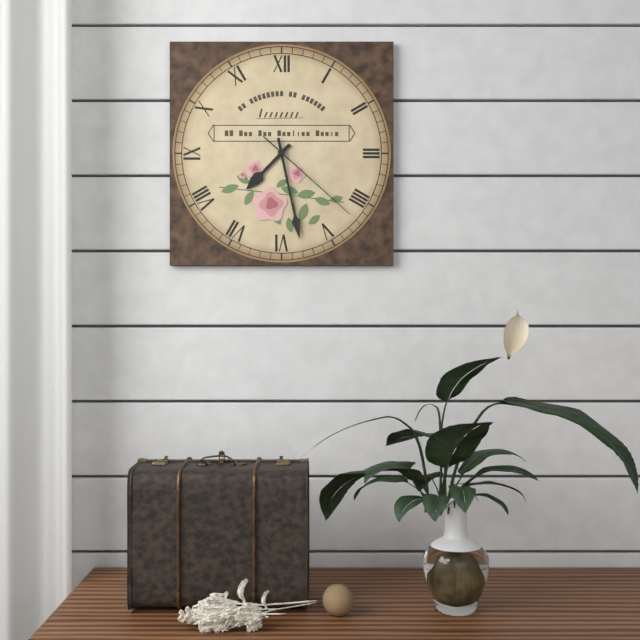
7:28:22
